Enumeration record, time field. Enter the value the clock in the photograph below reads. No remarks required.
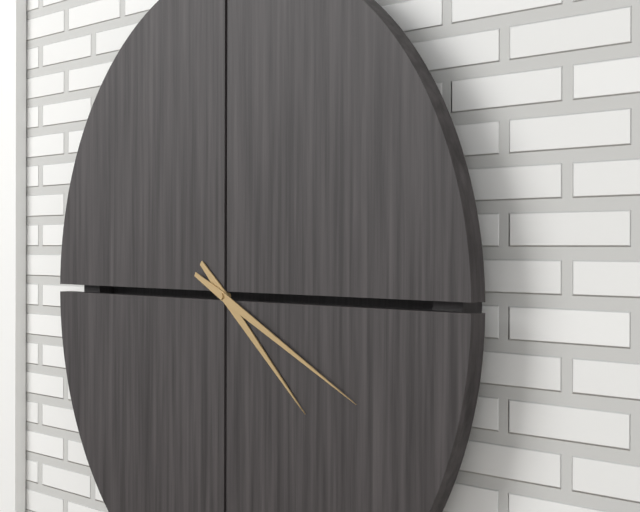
4:19
